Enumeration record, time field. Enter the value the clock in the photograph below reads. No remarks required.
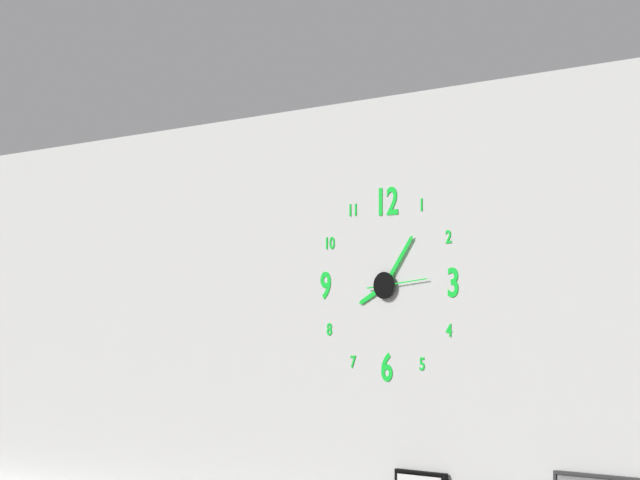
8:06:14
